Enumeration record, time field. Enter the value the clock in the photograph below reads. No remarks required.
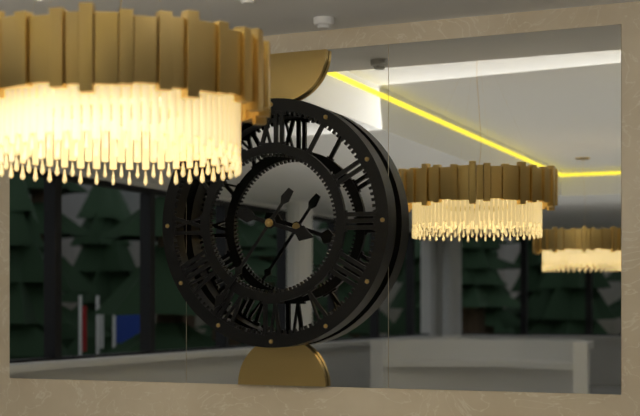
3:36
